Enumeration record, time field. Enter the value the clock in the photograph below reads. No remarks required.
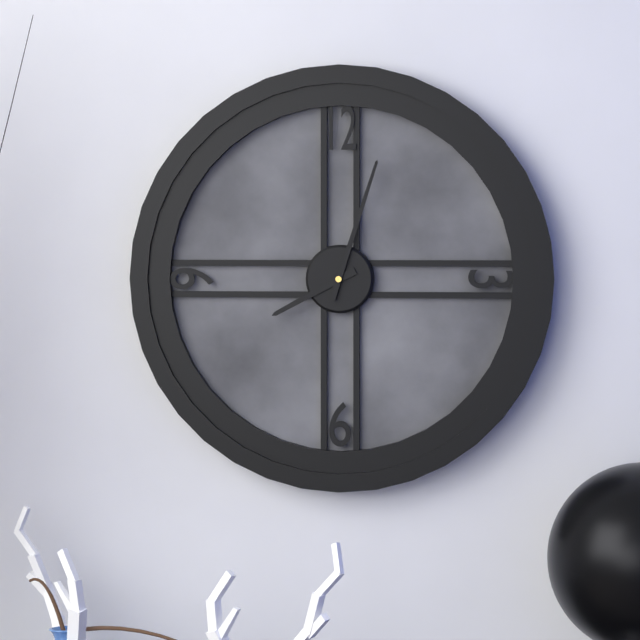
8:03
